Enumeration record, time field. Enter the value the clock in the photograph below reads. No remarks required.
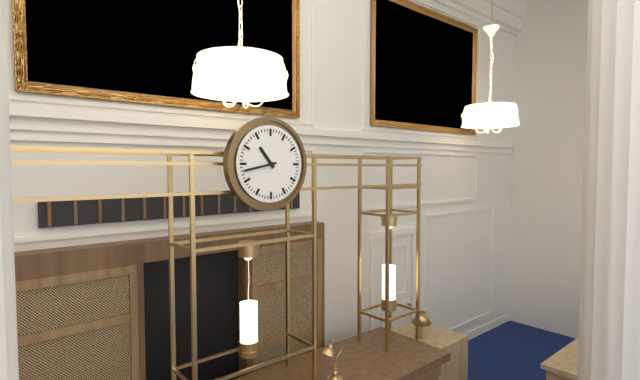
10:43
